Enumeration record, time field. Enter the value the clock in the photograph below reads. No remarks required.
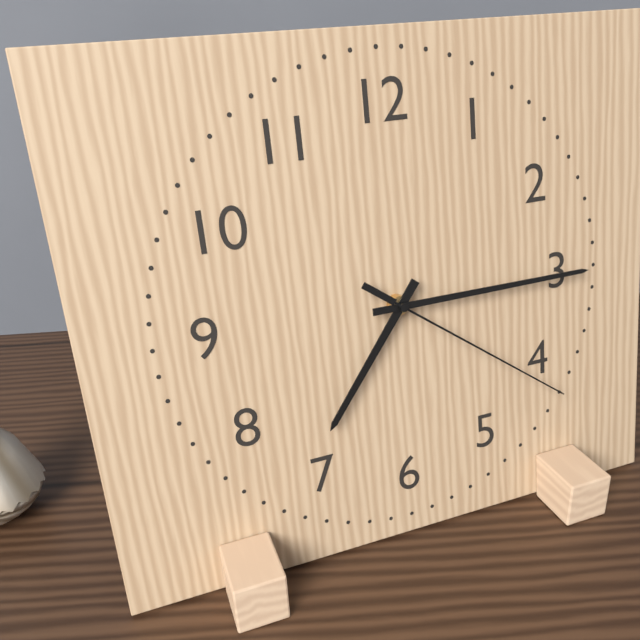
7:15:21
